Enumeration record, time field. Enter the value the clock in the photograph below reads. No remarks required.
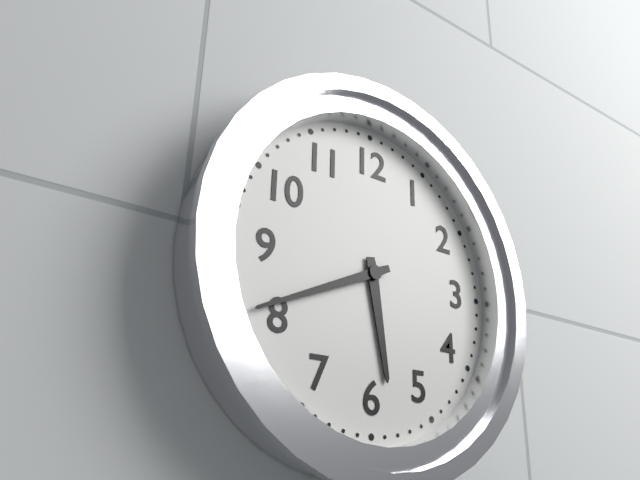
5:41
